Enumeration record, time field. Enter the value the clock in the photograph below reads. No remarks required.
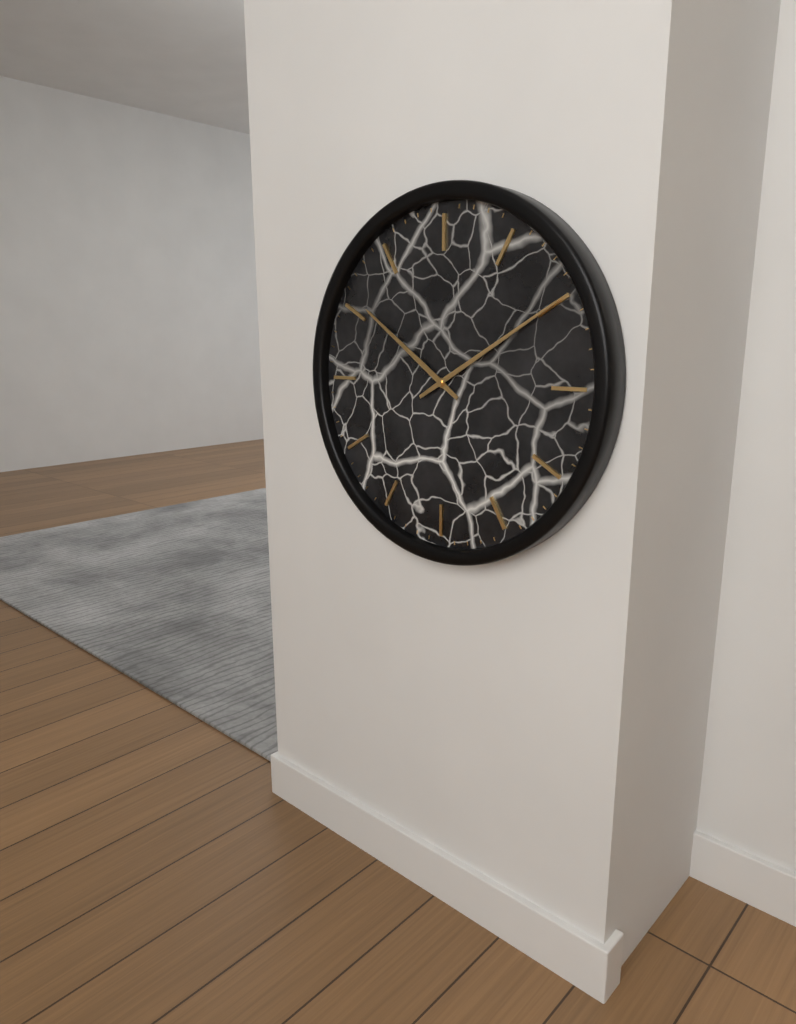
10:10
